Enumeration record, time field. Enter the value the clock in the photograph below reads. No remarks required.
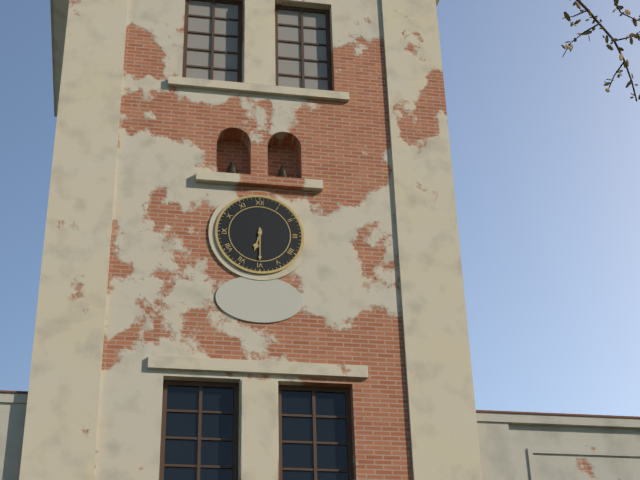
6:30
